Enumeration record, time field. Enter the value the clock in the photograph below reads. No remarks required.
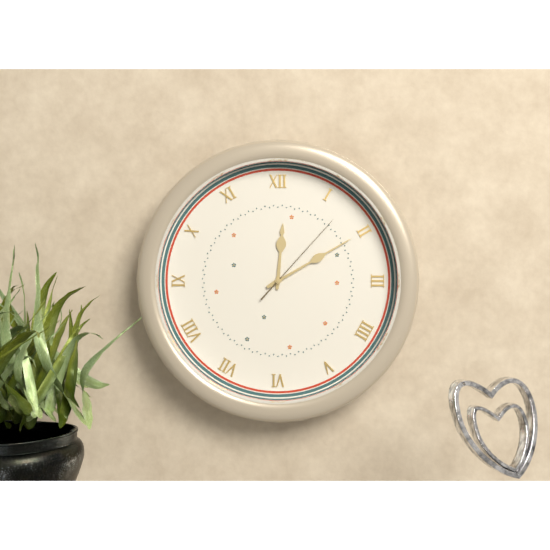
12:10:07
